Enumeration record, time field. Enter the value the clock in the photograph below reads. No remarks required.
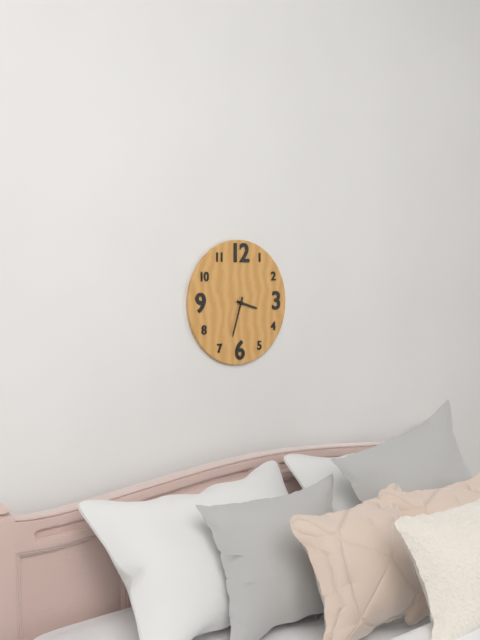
3:33
